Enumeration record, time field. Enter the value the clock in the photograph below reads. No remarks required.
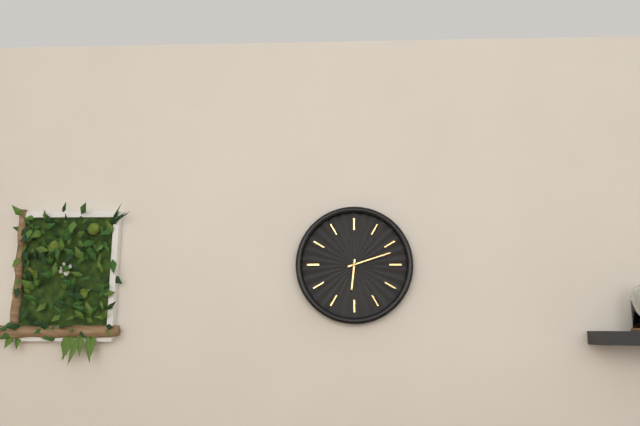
6:12
